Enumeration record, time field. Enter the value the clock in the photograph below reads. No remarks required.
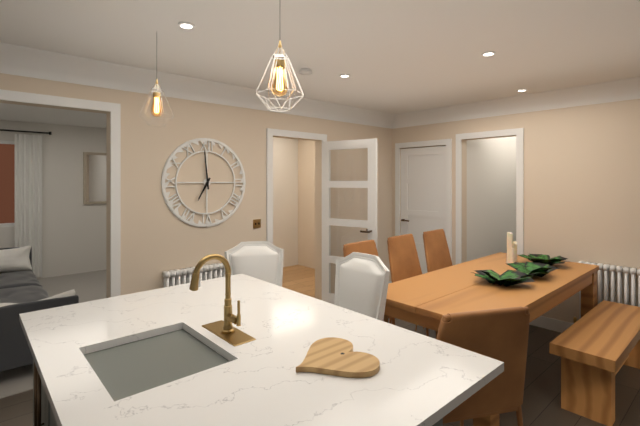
6:59
